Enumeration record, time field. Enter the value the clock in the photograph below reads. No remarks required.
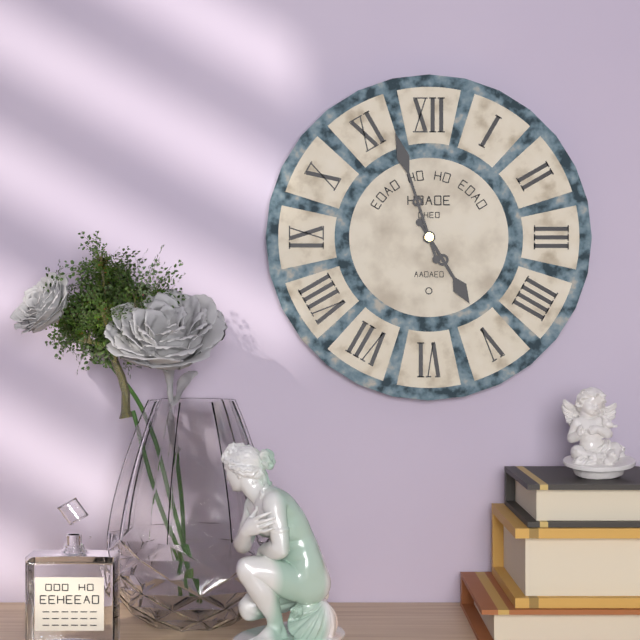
4:57
